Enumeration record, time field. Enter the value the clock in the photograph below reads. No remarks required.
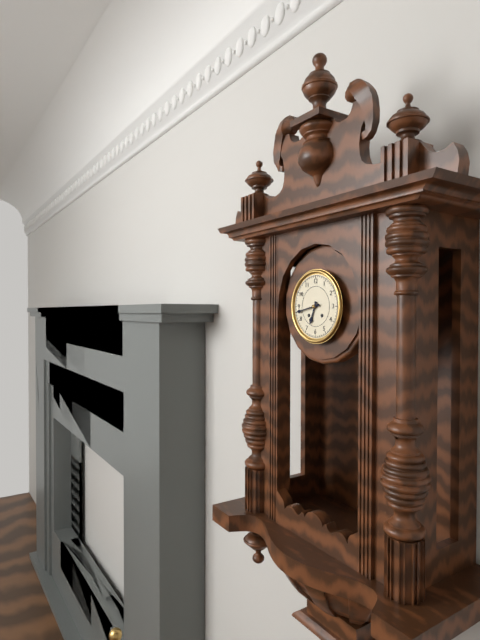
6:43
